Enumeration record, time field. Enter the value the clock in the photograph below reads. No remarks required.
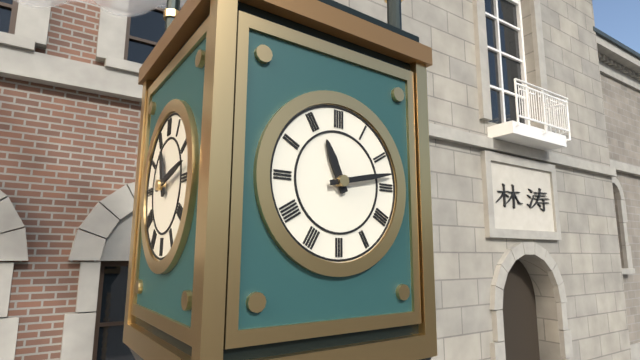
11:13
